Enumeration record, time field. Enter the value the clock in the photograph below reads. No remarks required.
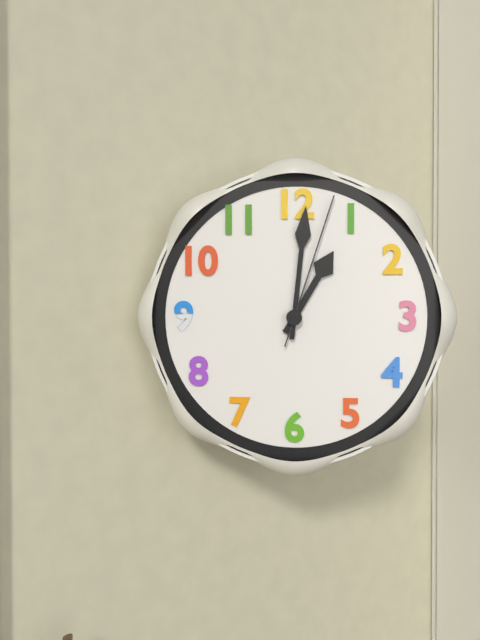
1:01:03
